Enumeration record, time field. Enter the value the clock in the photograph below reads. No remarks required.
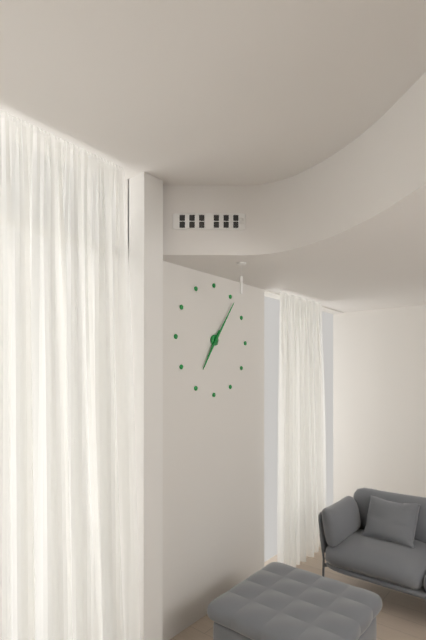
7:06
